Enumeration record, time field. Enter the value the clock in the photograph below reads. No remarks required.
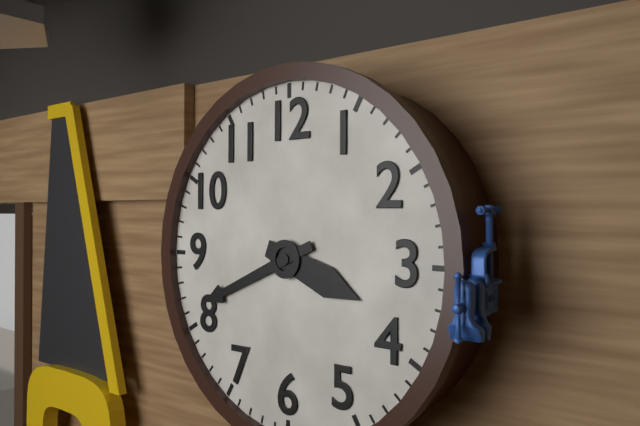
3:41
